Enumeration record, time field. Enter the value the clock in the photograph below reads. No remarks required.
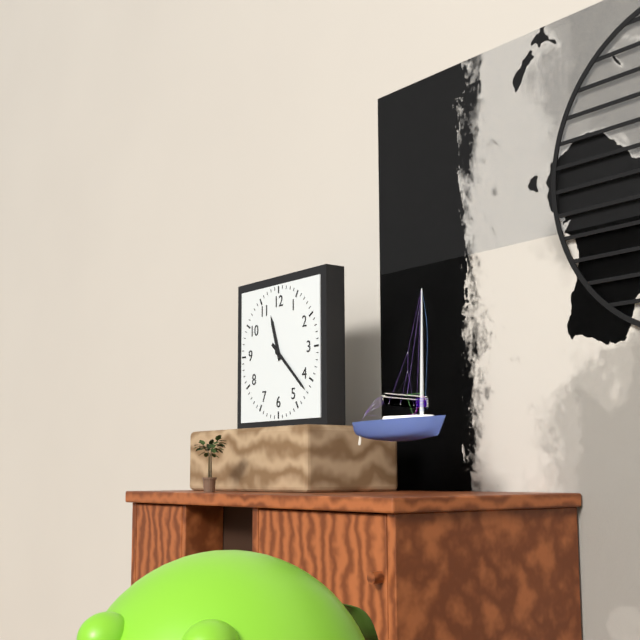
11:22
